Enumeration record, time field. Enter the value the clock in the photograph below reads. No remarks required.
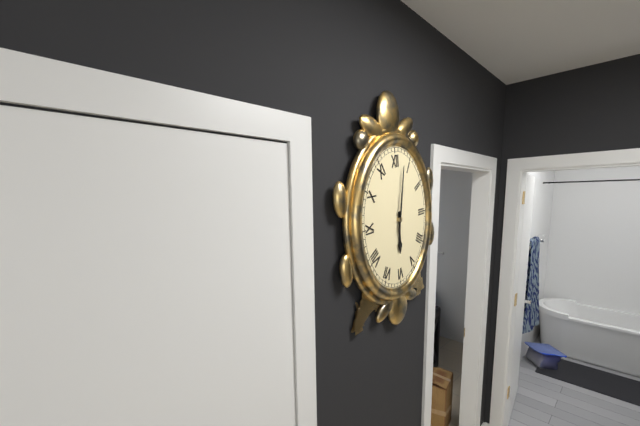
6:02
